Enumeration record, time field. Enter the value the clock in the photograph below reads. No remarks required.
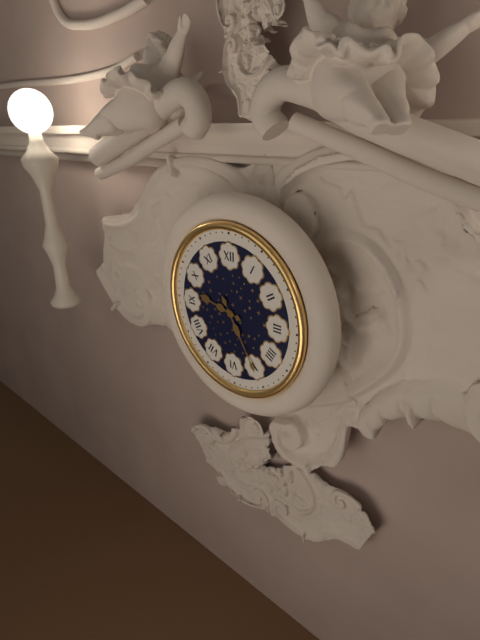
9:25
